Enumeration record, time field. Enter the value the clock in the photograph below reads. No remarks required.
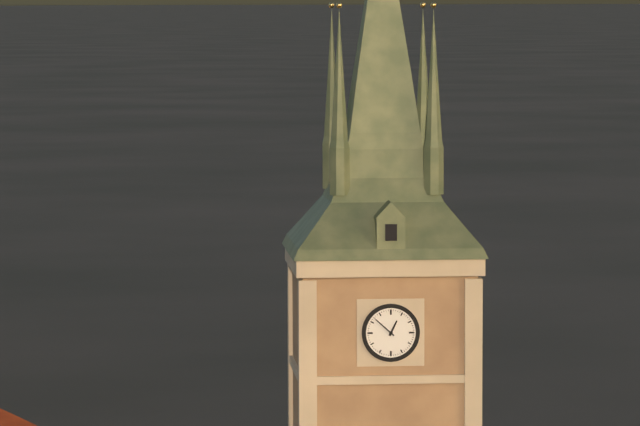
12:52
